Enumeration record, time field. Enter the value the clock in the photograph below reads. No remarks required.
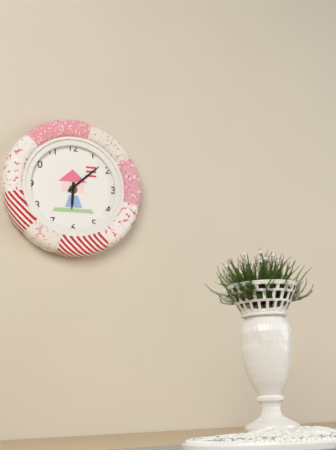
6:08
